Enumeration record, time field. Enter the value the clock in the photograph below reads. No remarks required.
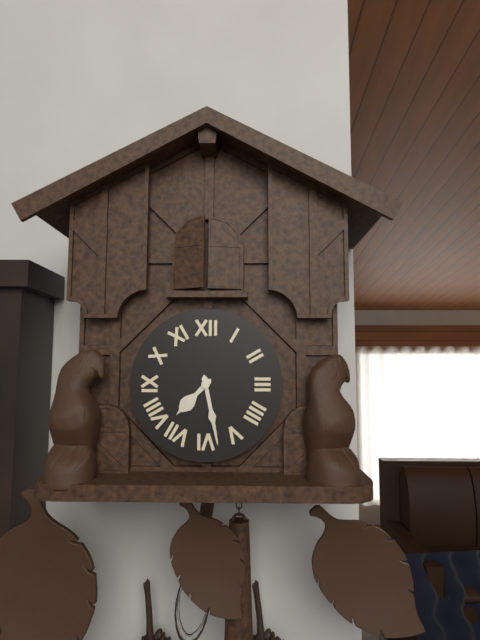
7:28
